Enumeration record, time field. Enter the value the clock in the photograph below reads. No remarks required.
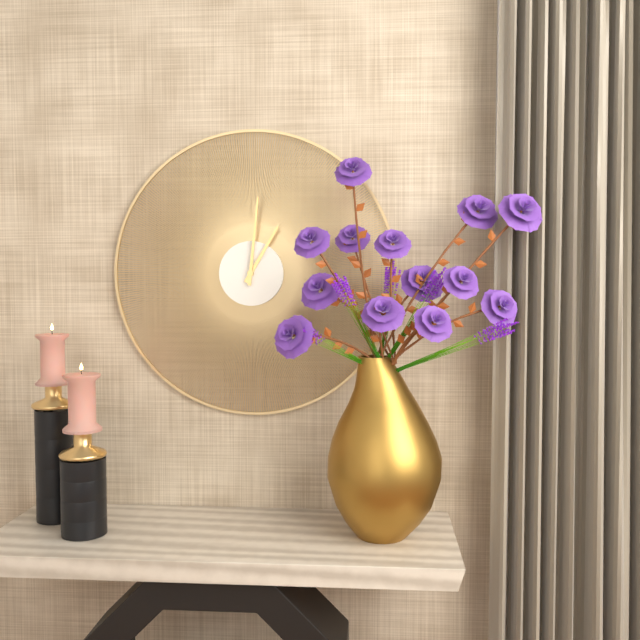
1:01
